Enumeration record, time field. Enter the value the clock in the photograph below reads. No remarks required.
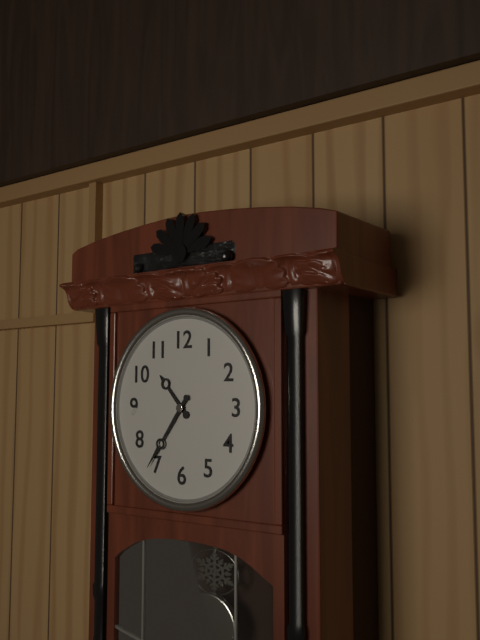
10:36
